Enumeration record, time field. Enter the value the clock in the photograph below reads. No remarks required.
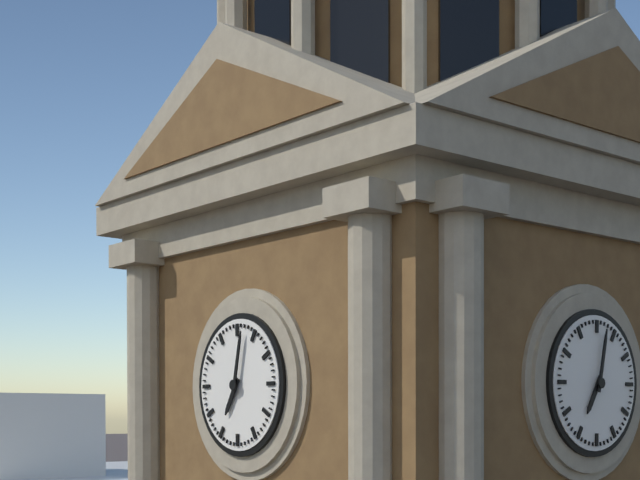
7:02
